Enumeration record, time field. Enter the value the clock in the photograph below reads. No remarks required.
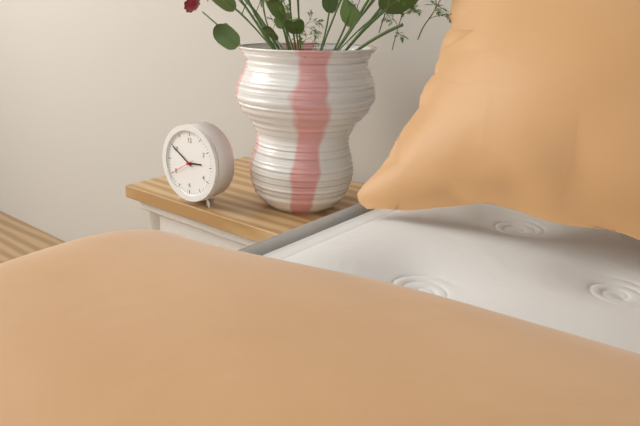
2:50
